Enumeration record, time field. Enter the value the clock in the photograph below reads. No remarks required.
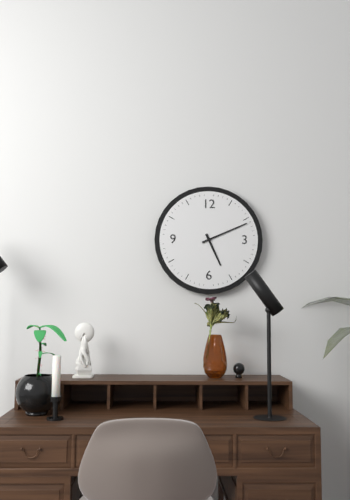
5:11
